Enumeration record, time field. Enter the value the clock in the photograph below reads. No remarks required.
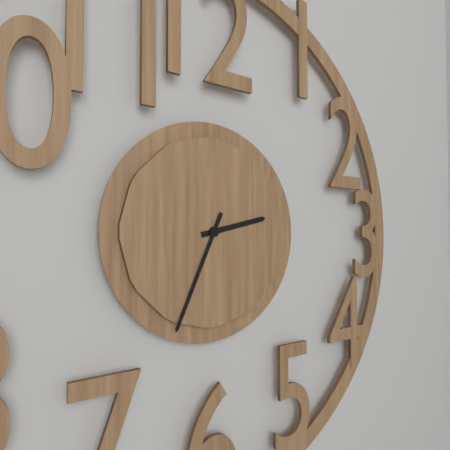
2:34
